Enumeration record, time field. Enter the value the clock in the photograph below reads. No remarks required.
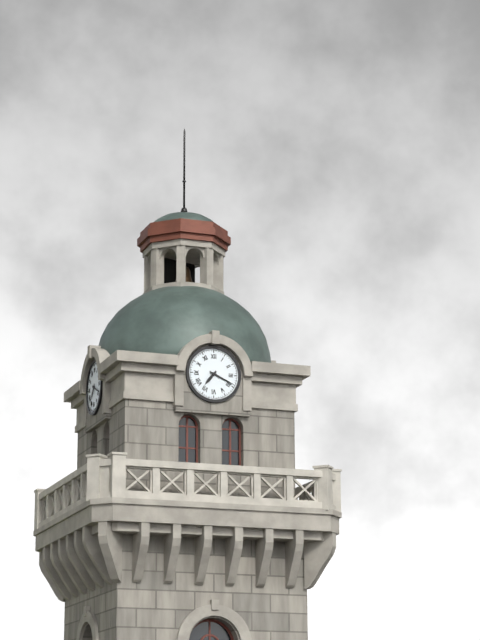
7:19
